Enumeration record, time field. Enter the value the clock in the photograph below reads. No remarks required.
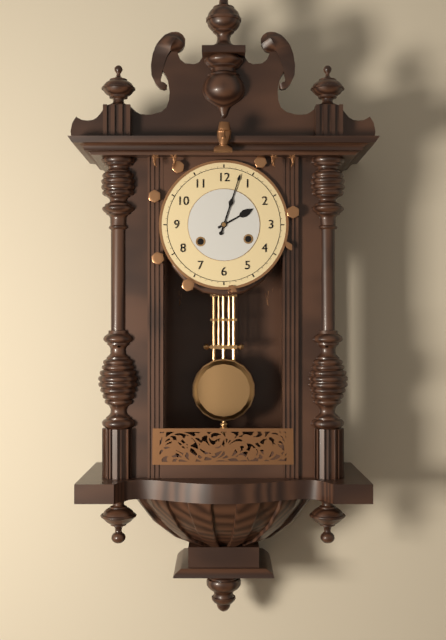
2:03
